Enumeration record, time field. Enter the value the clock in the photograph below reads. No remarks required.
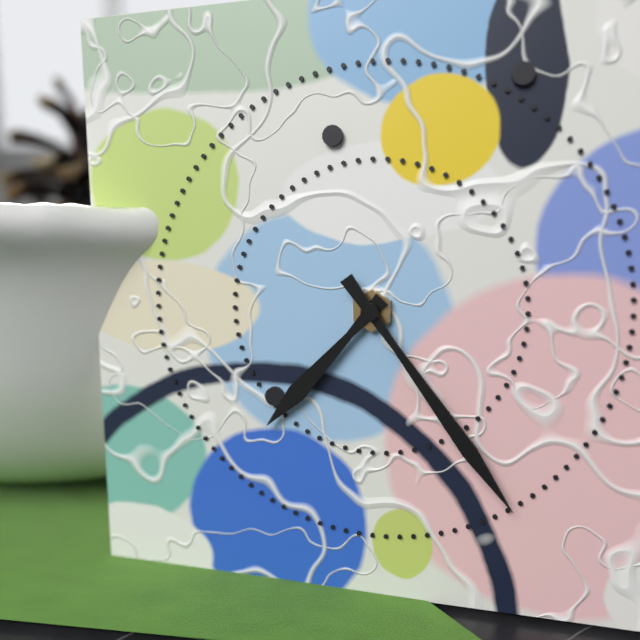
7:24
